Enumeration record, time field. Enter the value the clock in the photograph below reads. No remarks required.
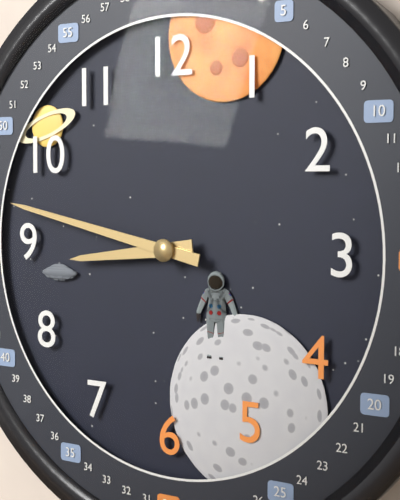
8:47
